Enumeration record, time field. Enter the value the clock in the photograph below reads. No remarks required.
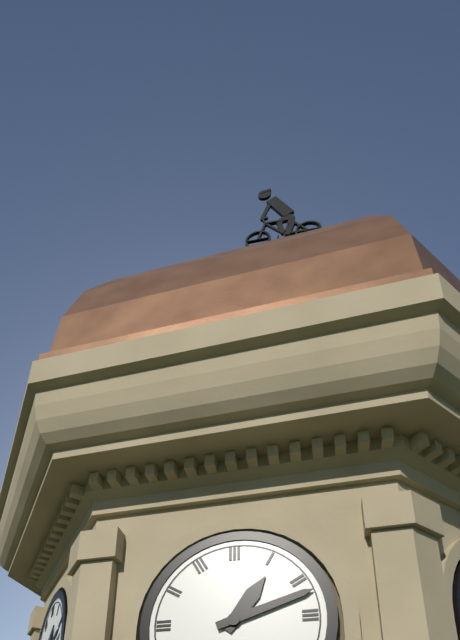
1:12
